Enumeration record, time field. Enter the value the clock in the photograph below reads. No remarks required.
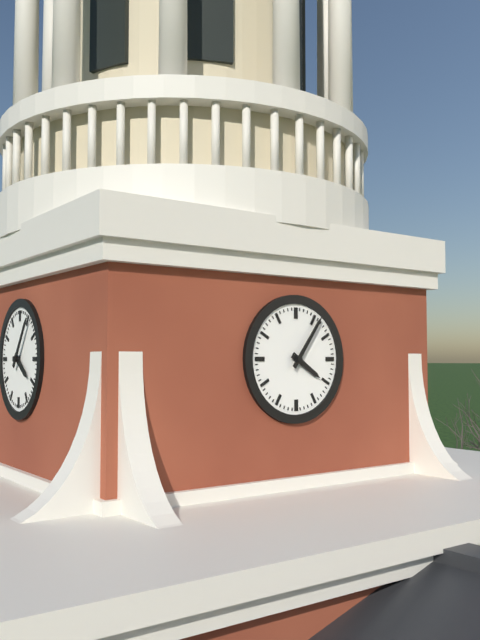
4:06
